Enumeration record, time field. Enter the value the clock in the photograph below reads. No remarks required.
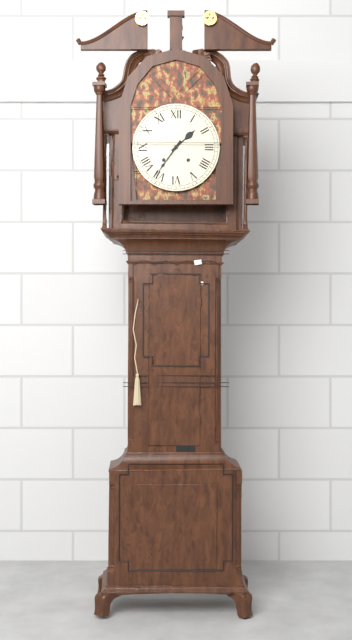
1:36
